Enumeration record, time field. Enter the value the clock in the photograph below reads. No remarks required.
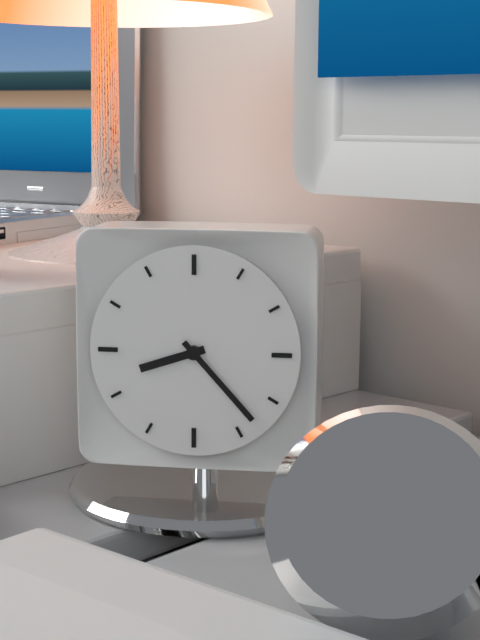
8:23
